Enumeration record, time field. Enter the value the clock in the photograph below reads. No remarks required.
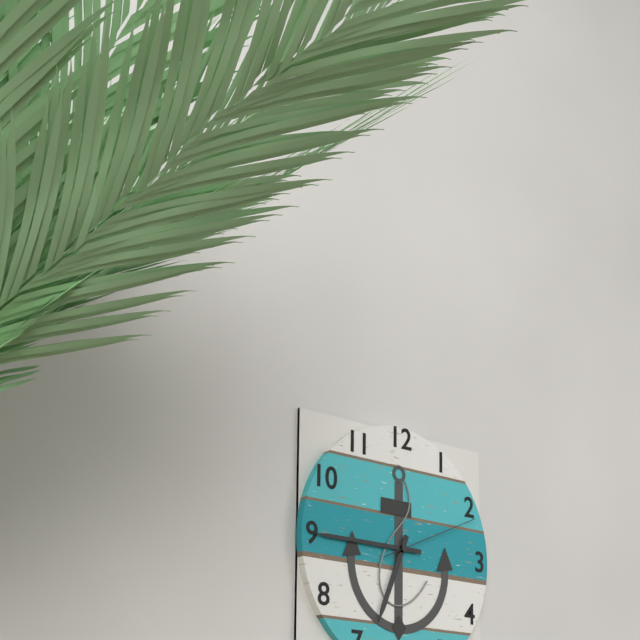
6:45:11
